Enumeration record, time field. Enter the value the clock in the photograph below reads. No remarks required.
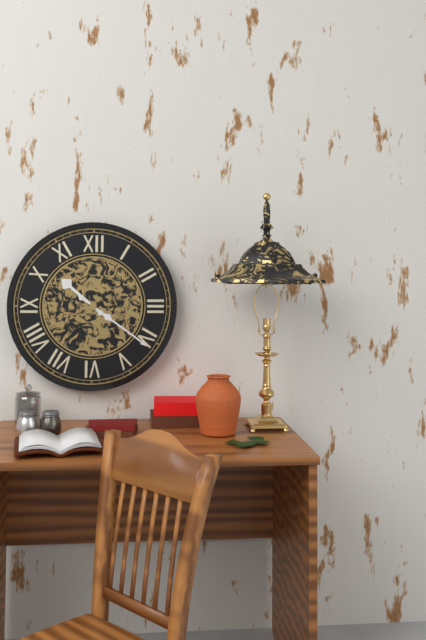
10:21
